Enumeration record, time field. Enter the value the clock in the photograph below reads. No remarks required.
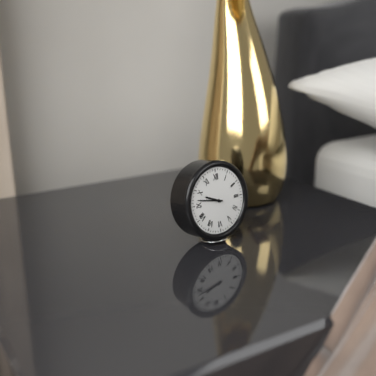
9:47
